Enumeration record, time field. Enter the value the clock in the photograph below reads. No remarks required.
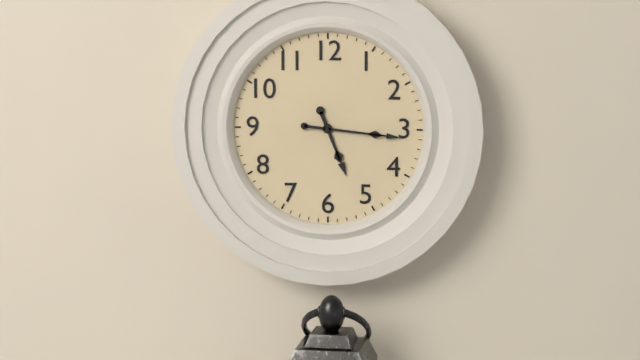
5:16
